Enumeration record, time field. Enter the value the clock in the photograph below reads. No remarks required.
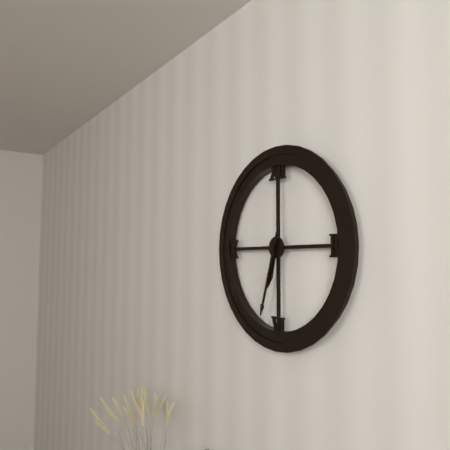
6:33
